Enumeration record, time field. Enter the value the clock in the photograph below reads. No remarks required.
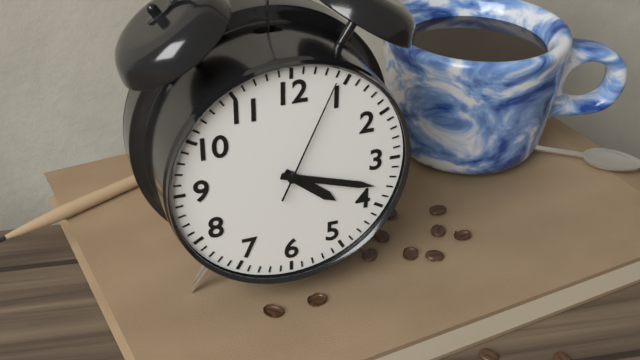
4:18:04
